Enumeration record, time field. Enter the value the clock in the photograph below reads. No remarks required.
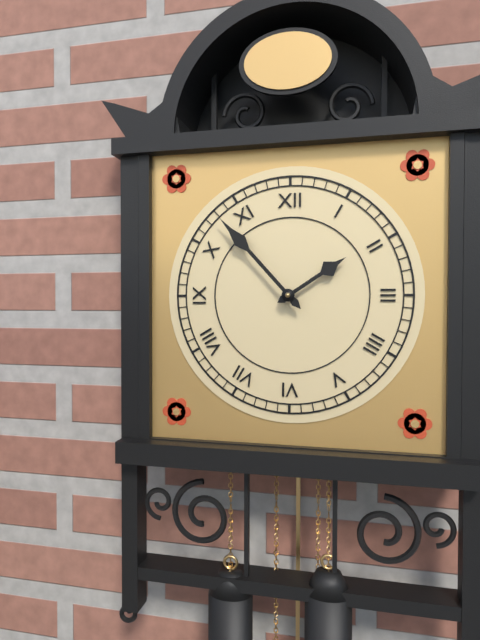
1:53
